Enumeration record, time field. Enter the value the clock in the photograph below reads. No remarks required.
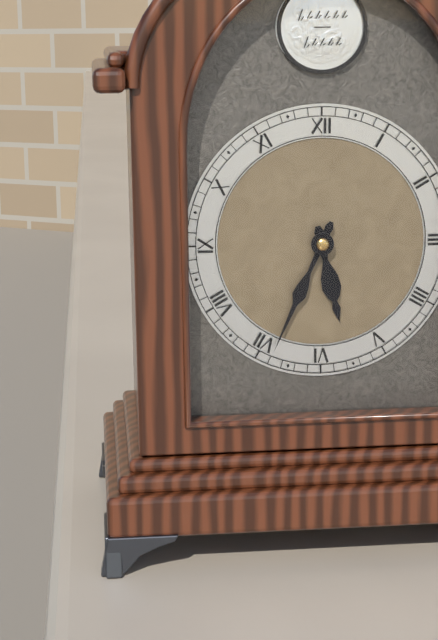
5:34
